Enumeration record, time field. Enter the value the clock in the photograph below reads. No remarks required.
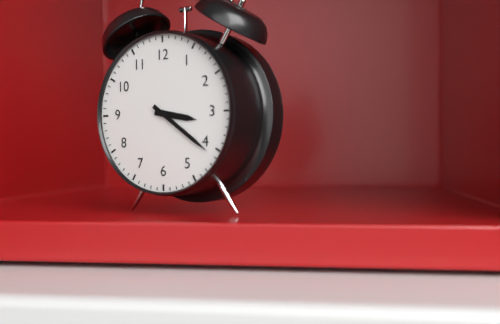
3:21
